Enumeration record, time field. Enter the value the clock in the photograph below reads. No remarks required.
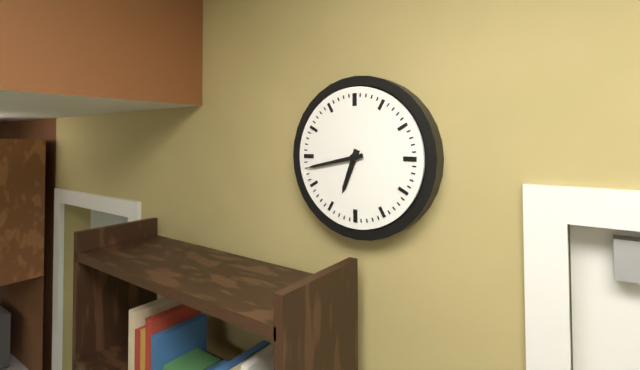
6:43
